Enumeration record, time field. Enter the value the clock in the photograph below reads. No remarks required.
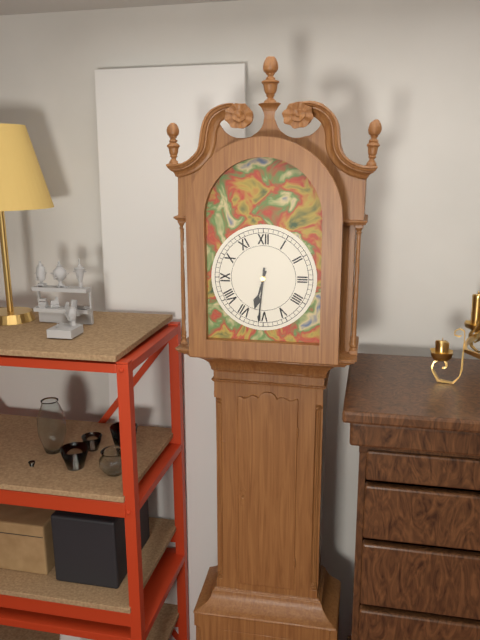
6:31
